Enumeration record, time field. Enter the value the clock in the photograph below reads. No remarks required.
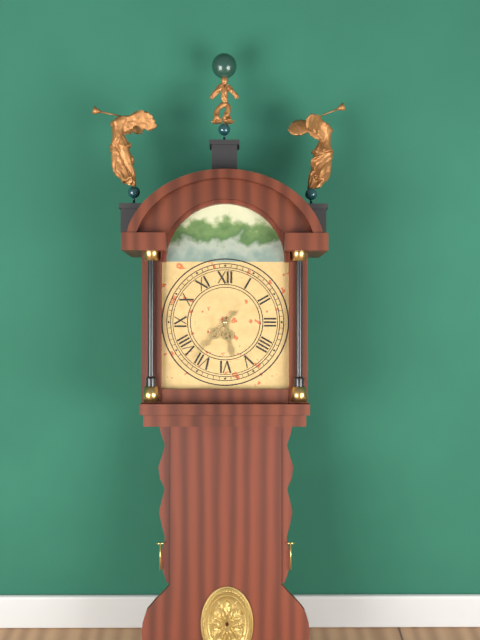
5:37
